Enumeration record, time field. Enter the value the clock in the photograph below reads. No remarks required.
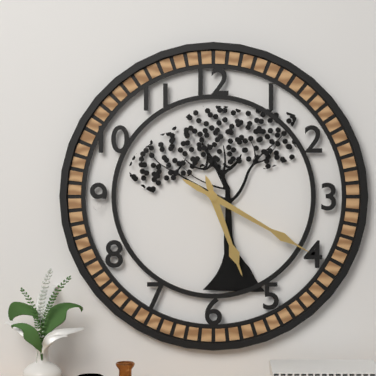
5:20
